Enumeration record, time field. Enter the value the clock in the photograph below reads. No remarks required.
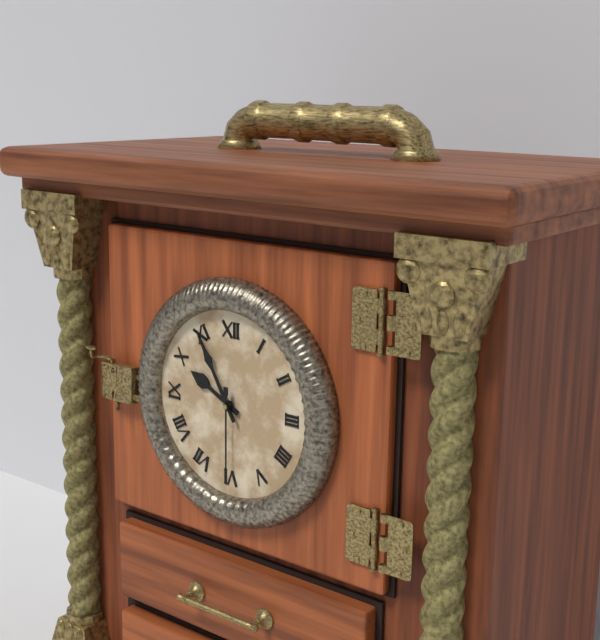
9:55:30
